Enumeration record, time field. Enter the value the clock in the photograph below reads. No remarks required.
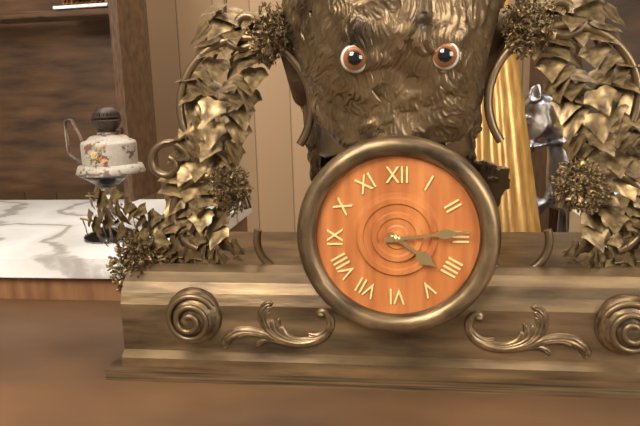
4:14
